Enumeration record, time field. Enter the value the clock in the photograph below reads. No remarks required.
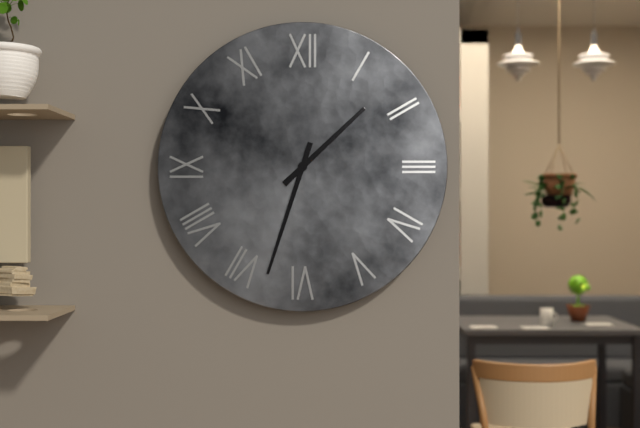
1:33
